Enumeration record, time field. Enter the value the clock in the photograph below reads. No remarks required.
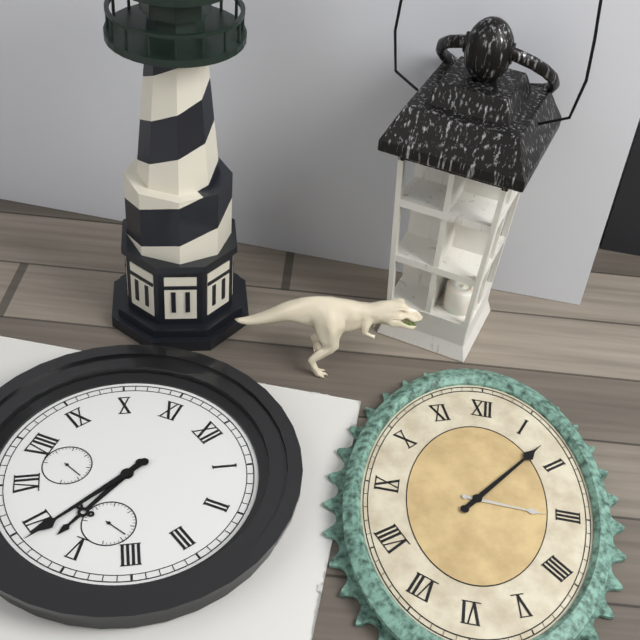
5:29
